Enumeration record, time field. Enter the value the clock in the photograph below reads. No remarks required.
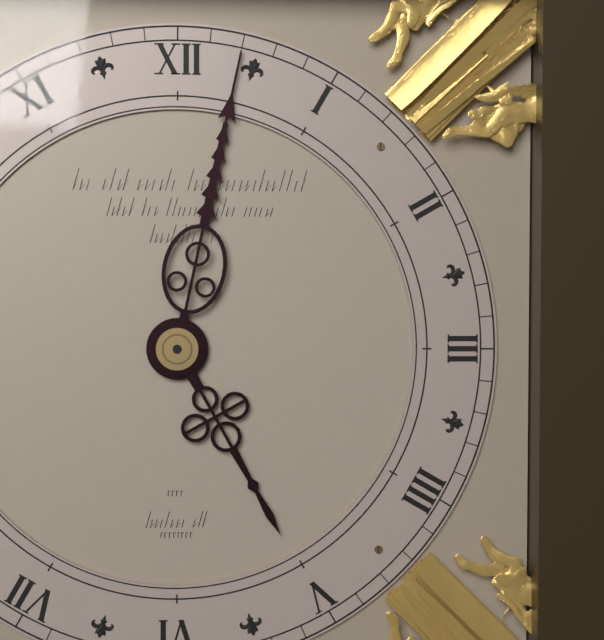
5:02
